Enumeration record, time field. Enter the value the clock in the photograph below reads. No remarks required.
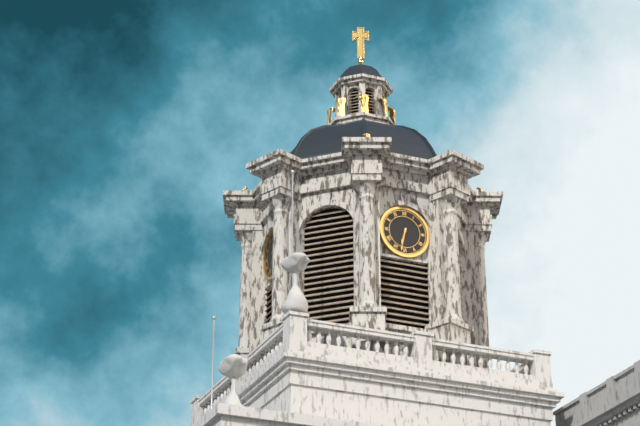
6:32
